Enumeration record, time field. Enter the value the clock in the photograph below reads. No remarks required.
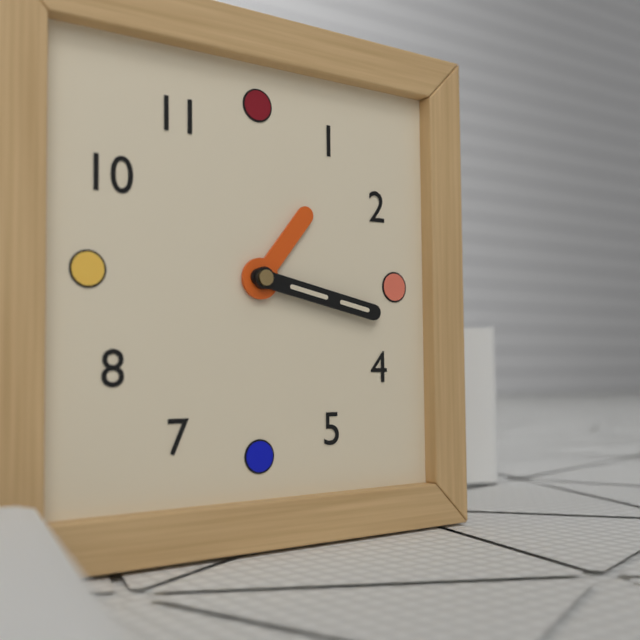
1:17
